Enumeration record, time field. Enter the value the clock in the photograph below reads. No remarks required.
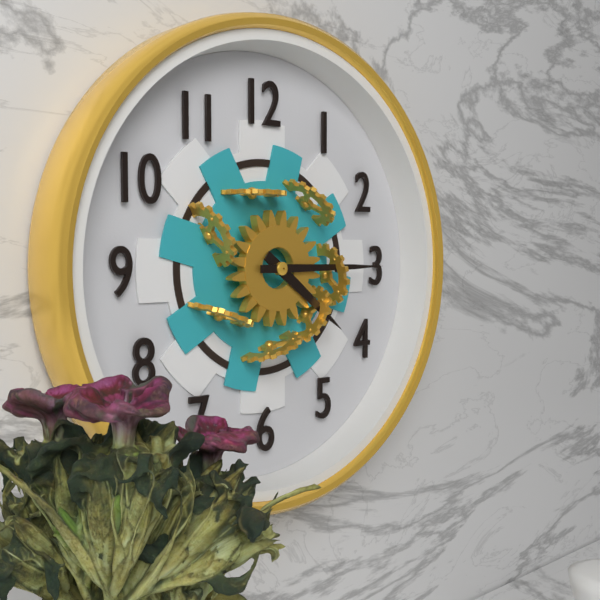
4:15
